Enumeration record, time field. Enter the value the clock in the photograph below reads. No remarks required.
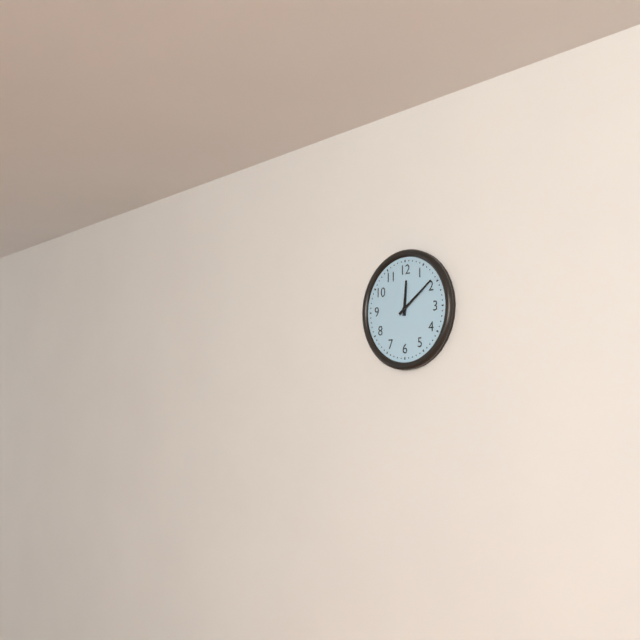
12:09
